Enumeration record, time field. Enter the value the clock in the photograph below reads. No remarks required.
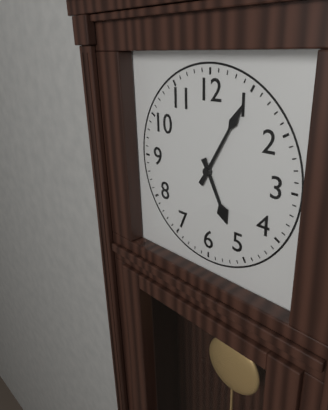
5:05
